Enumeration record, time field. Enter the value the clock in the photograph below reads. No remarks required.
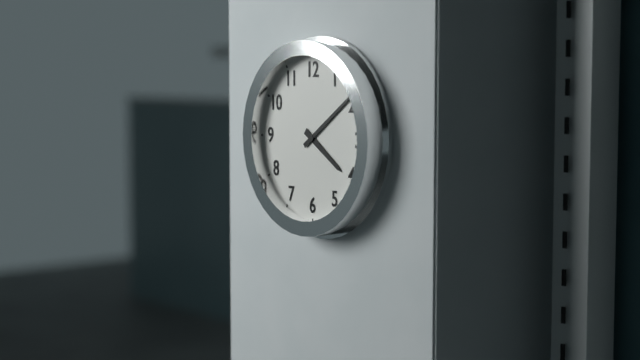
4:09
